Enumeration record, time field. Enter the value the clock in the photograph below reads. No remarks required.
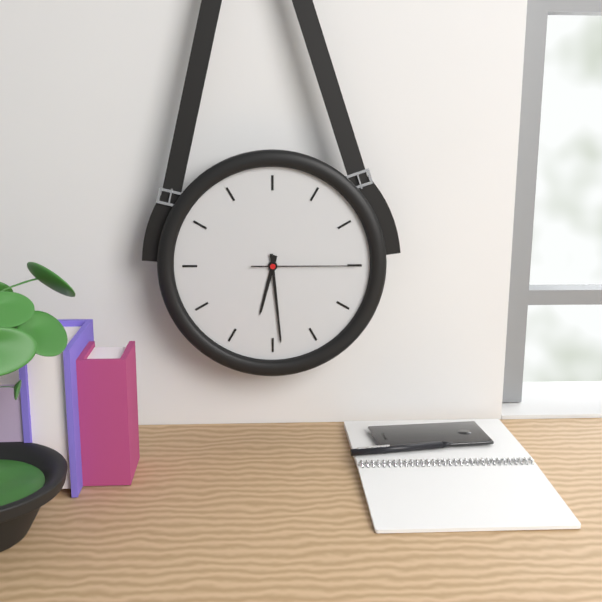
6:29:15
